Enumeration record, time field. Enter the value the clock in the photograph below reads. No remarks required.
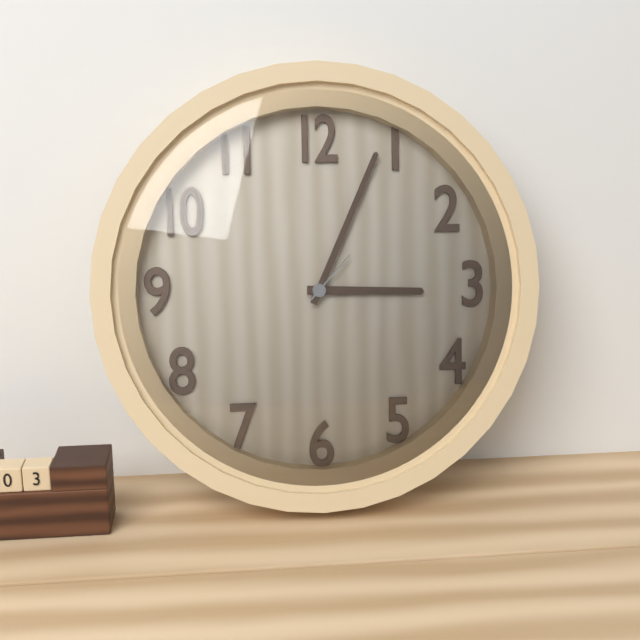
3:04:07
